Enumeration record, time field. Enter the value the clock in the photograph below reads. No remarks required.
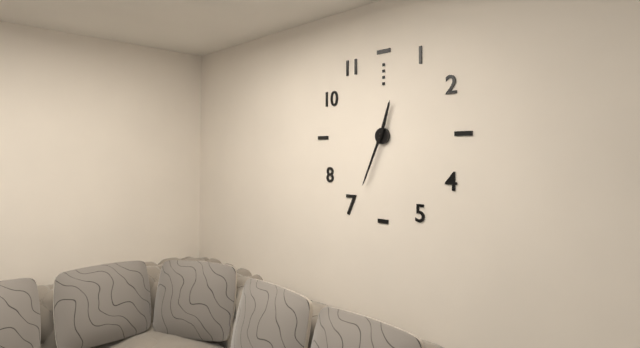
12:34
